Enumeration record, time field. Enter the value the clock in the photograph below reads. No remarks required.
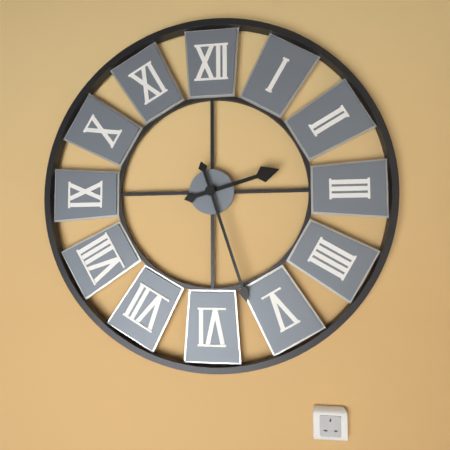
2:27
